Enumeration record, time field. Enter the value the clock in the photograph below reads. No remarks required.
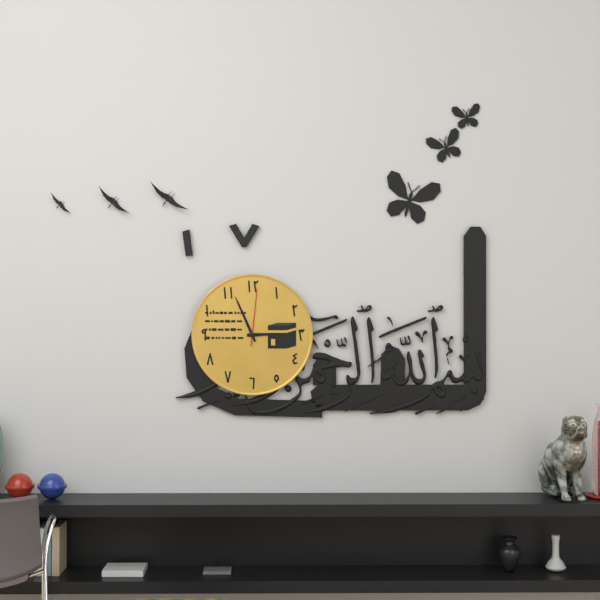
2:56:01
